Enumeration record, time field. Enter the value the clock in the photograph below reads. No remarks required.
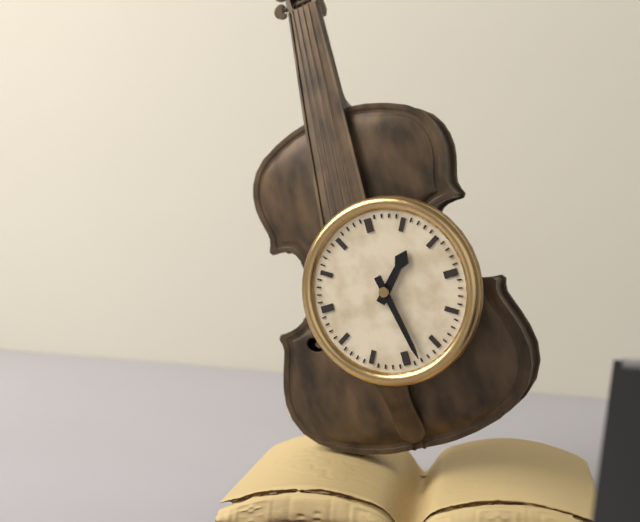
1:28
